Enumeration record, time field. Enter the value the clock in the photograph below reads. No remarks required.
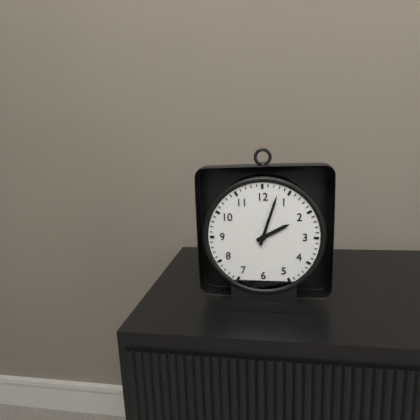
2:03
